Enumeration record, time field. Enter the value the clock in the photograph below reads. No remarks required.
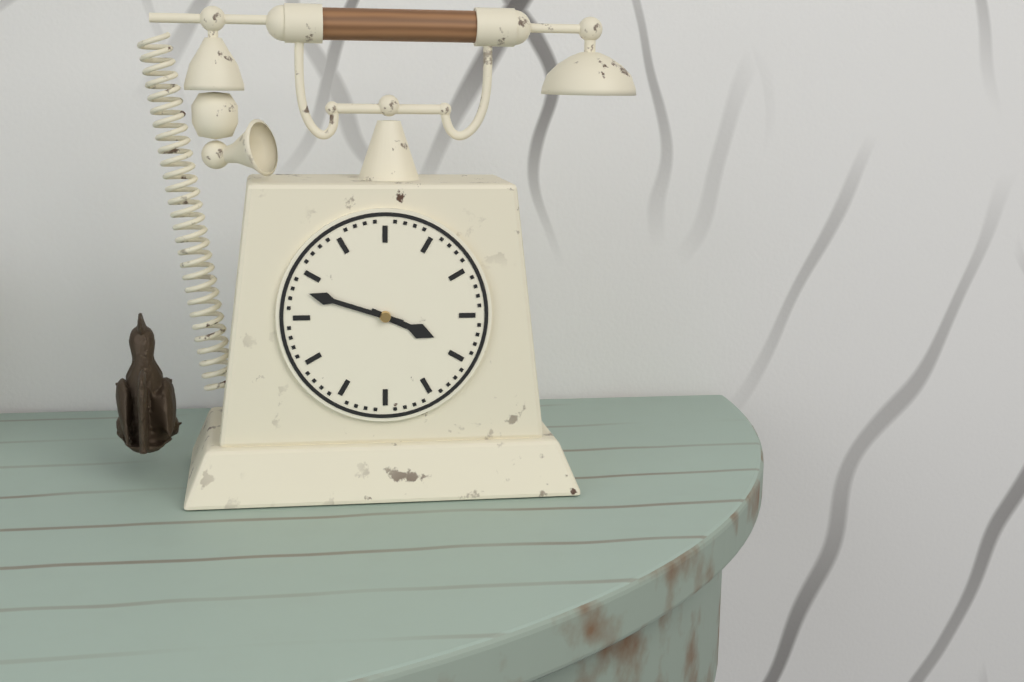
3:48
